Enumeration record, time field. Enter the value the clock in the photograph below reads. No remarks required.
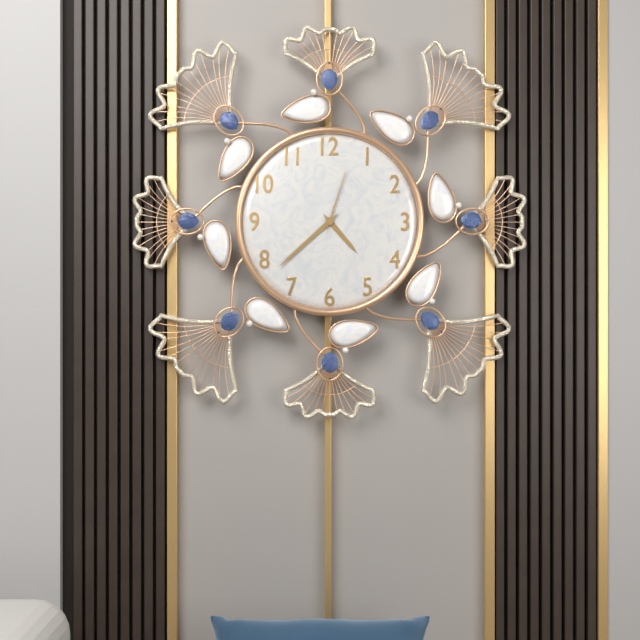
4:38:03
